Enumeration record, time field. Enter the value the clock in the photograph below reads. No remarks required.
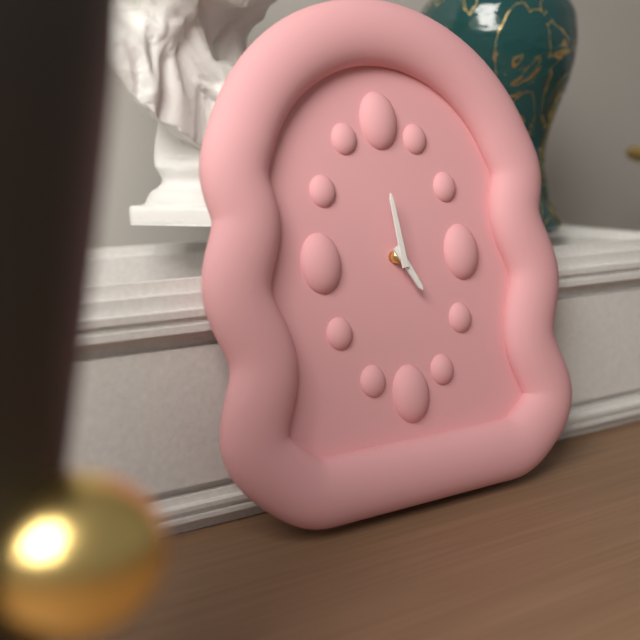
4:59
